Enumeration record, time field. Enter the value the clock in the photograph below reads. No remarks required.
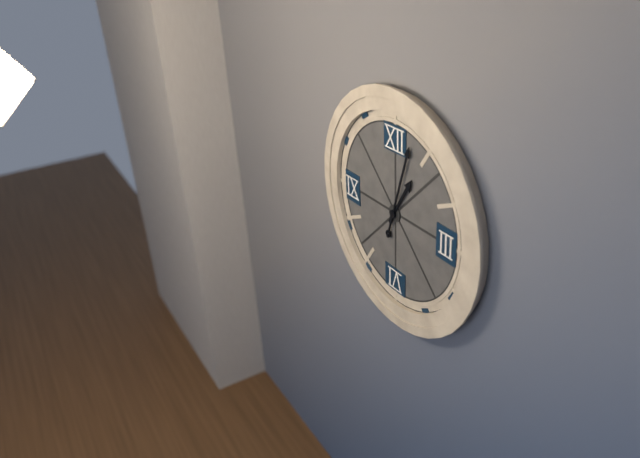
1:03
